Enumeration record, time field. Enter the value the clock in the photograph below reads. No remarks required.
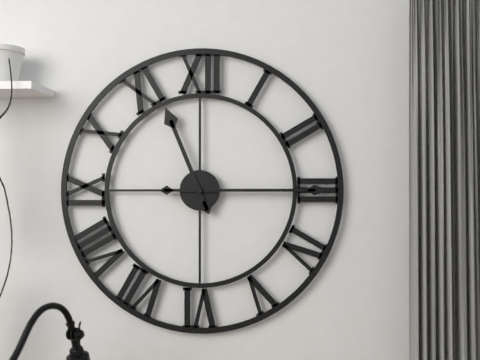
11:15
